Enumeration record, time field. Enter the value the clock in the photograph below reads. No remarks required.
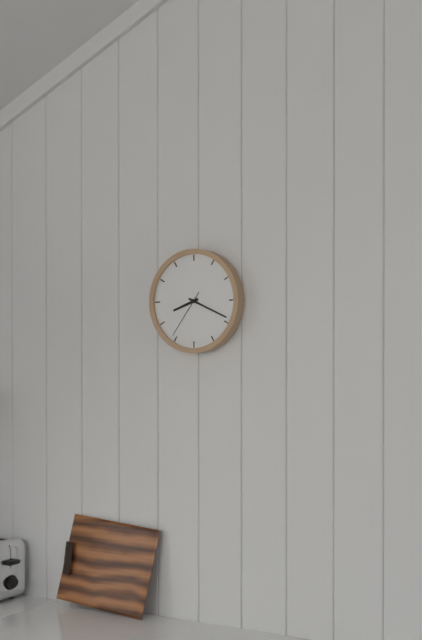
8:19:36
